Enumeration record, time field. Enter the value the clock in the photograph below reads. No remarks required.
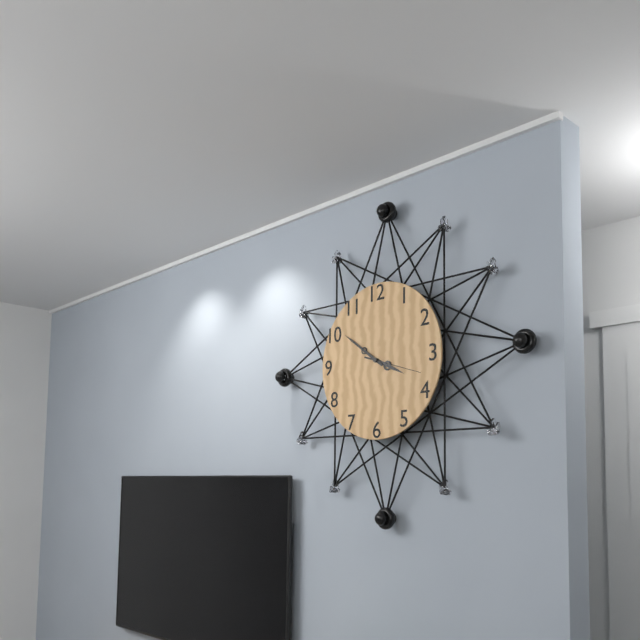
3:51:18
